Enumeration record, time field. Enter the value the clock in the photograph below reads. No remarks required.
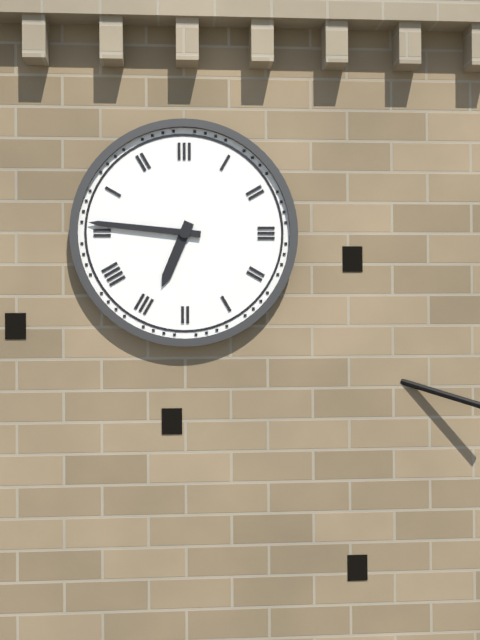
6:46
